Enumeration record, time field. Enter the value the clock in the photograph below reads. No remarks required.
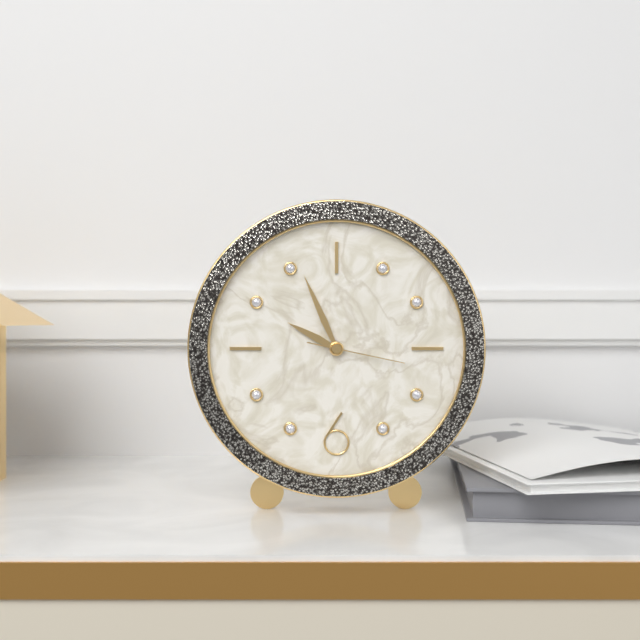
9:56:17
